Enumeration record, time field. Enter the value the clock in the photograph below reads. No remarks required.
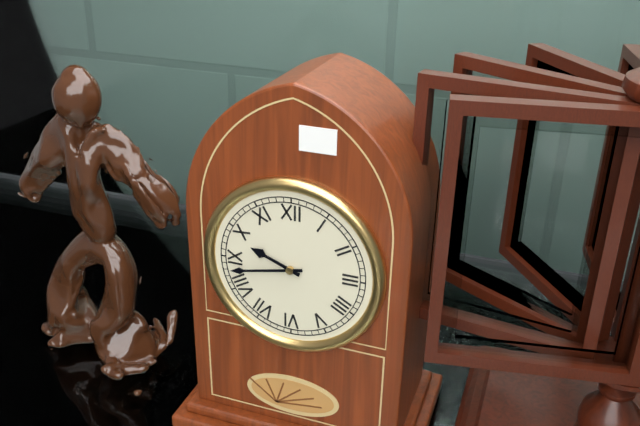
9:43
